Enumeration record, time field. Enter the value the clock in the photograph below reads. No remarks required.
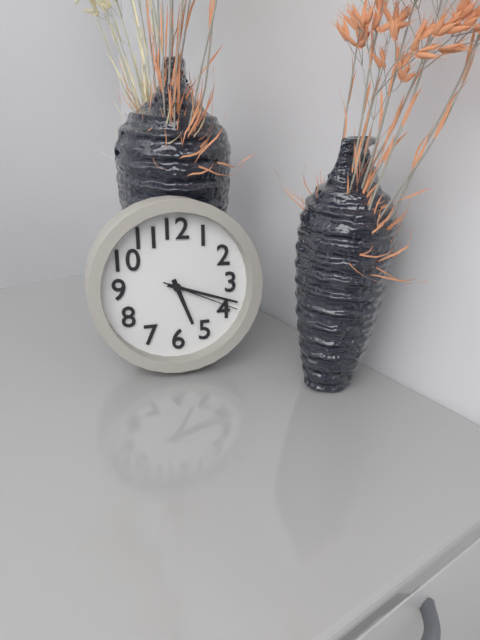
5:18:19
